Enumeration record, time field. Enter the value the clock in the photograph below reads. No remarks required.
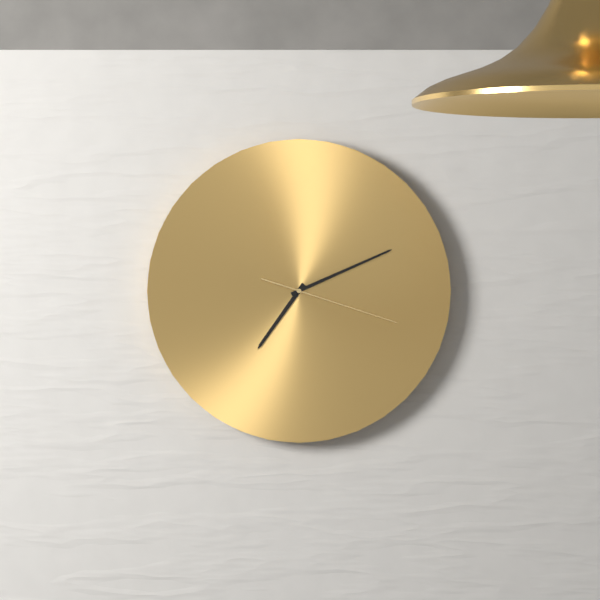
7:11:18
